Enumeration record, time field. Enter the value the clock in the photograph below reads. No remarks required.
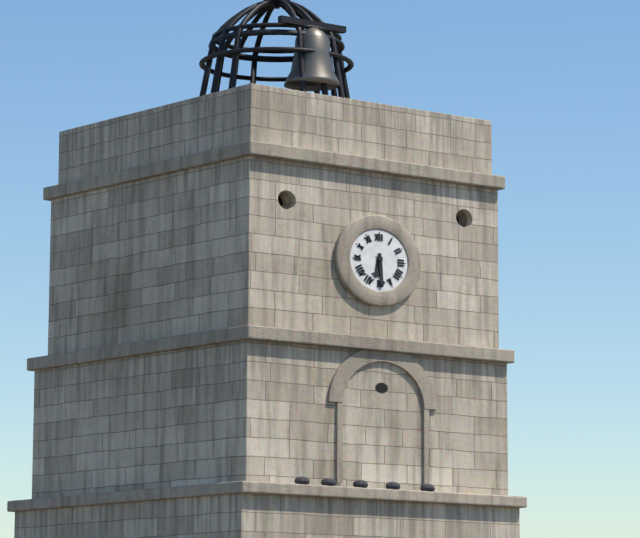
6:29
